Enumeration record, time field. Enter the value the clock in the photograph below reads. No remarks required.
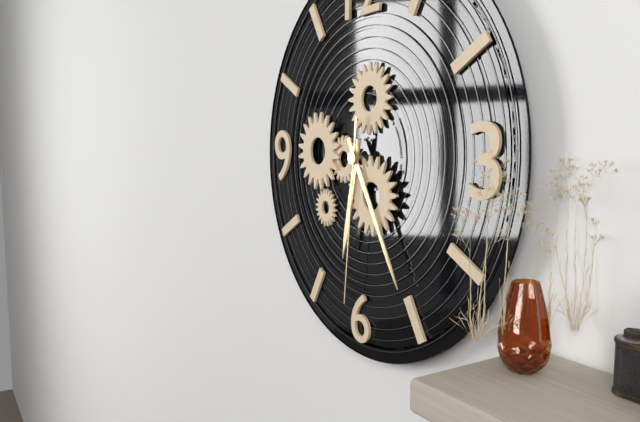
6:25:31
